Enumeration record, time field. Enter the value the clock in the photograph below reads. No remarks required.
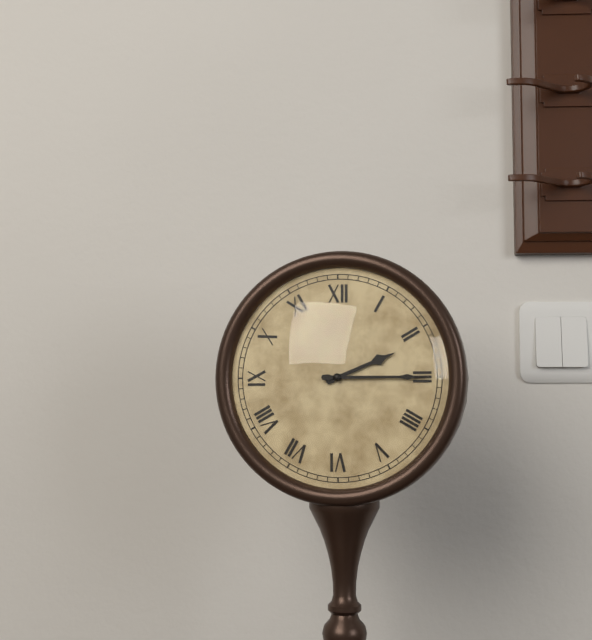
2:15
